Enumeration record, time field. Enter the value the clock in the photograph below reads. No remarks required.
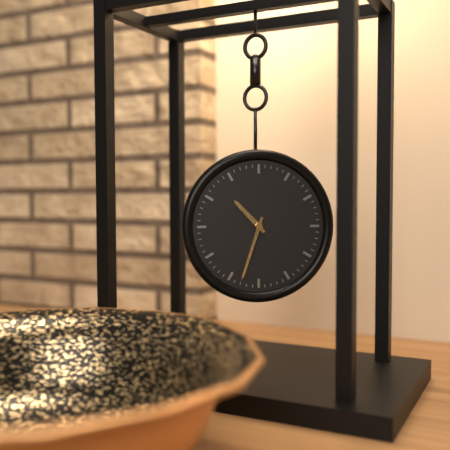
10:33
